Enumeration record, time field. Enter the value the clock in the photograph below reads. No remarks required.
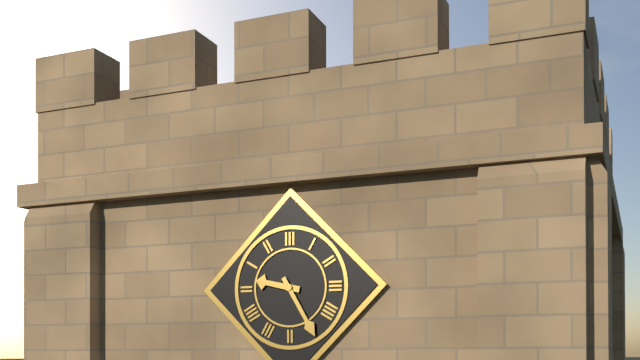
9:25
